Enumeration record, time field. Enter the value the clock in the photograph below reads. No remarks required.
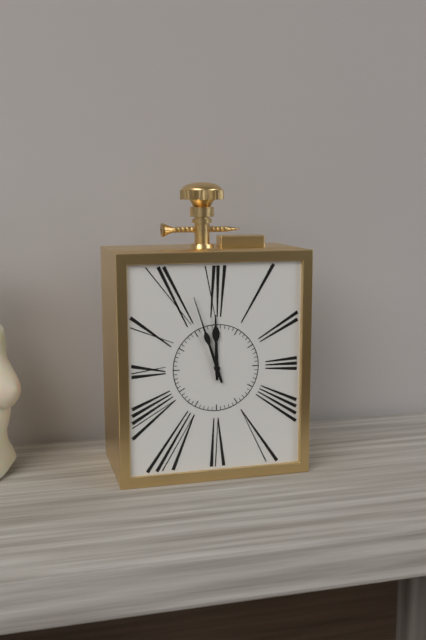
11:57
